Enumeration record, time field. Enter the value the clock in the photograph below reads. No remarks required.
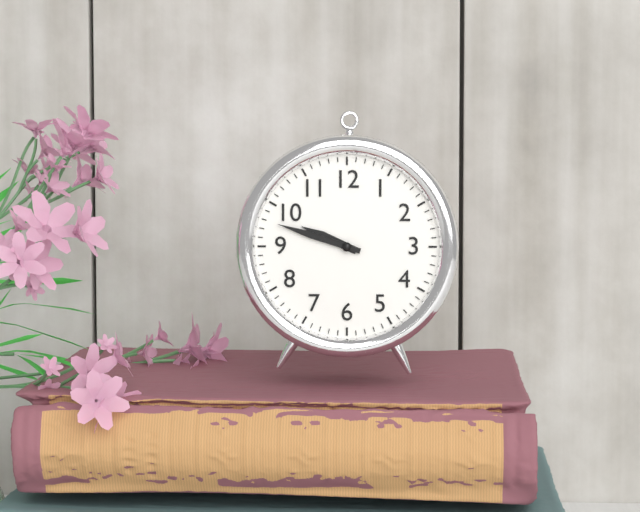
9:48
